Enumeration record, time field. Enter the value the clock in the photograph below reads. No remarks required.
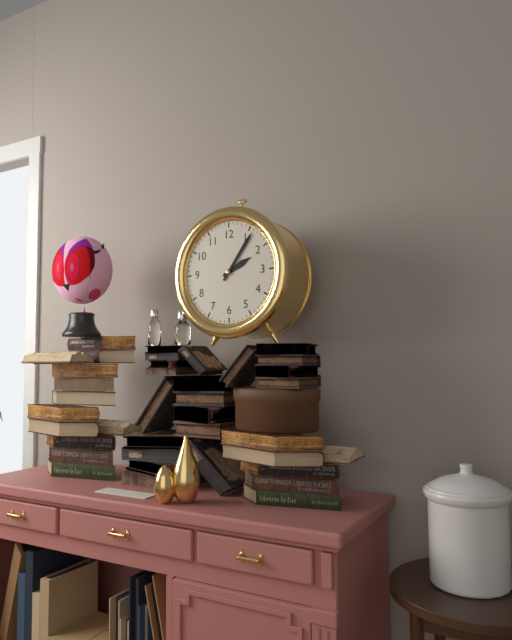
2:06
